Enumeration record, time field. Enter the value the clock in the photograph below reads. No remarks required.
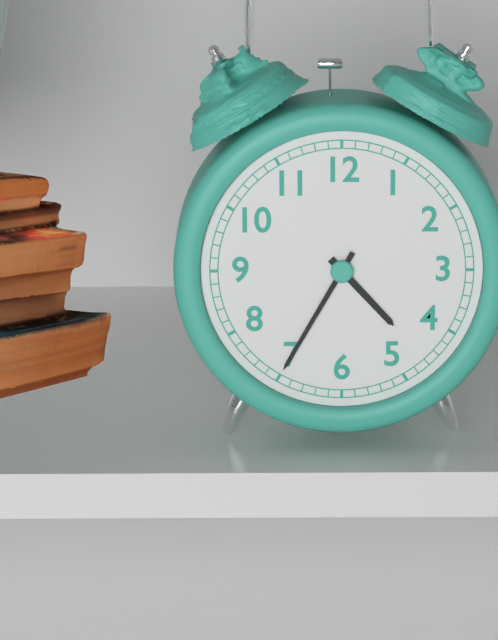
4:35
